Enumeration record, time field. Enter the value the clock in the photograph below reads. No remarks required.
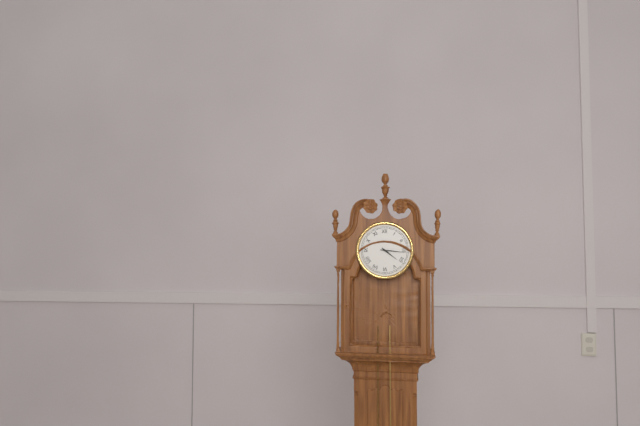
4:16
